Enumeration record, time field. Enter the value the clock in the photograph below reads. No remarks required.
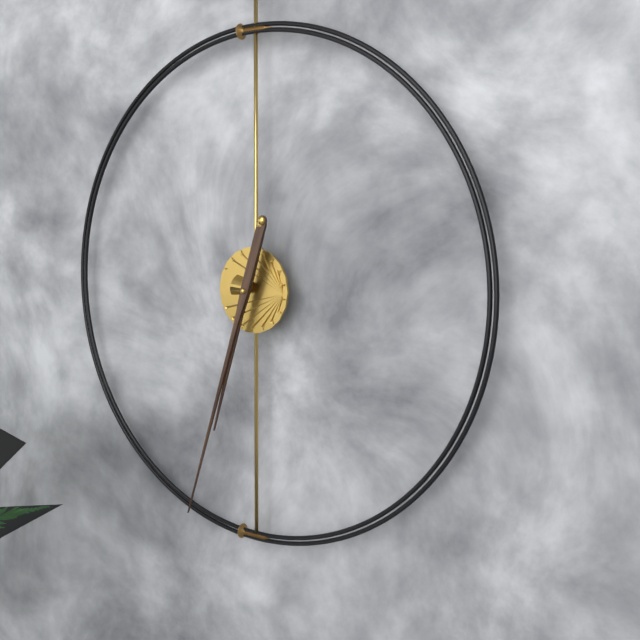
6:33
